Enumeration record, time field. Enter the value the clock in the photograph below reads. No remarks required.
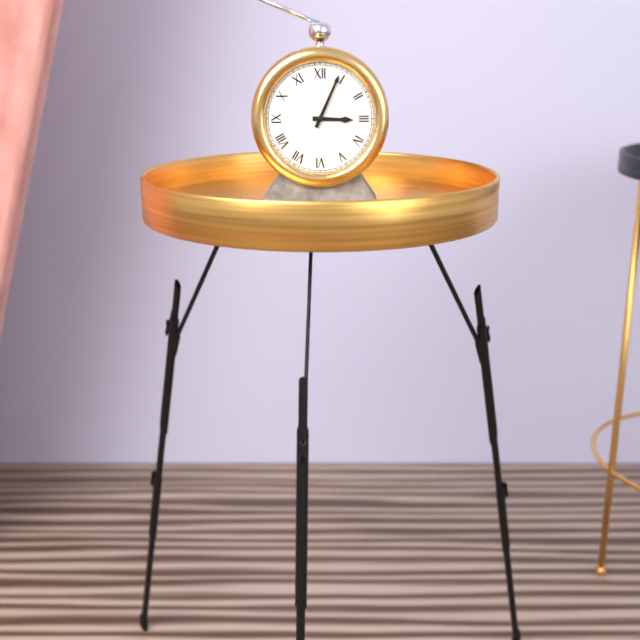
3:04
